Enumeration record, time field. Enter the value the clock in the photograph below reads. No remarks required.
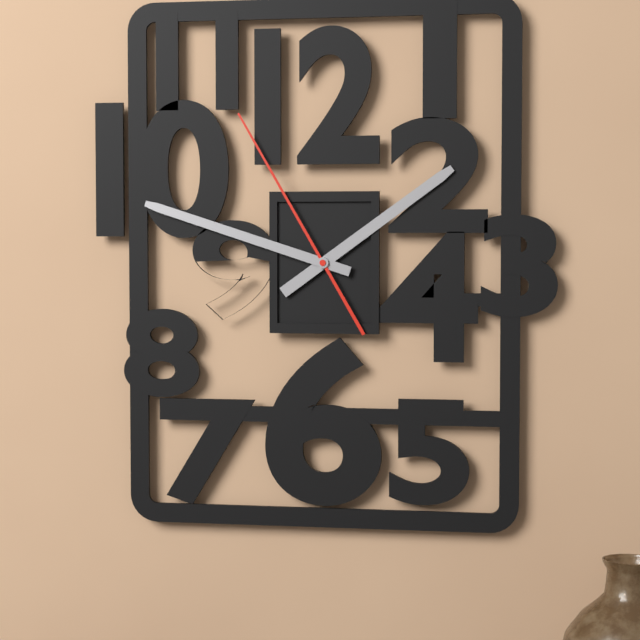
1:48:55
